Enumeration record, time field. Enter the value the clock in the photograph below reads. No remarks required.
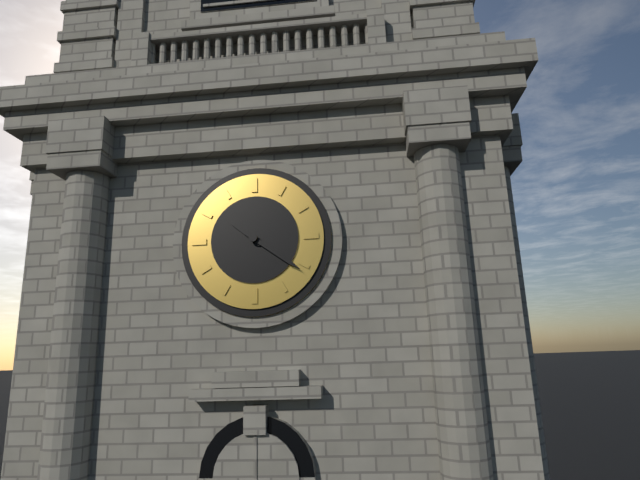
10:21
